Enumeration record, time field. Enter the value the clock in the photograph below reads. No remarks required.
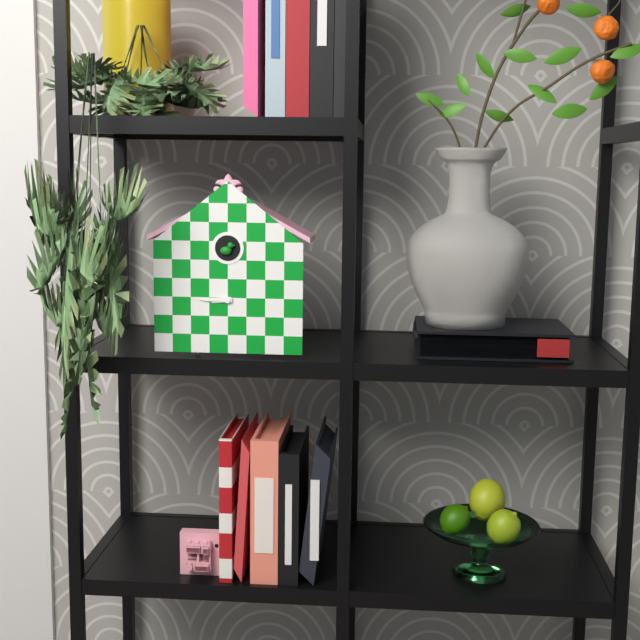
8:45
